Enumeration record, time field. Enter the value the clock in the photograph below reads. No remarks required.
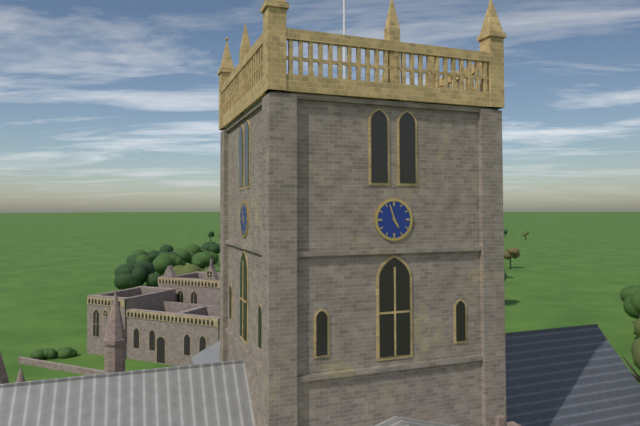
4:57
